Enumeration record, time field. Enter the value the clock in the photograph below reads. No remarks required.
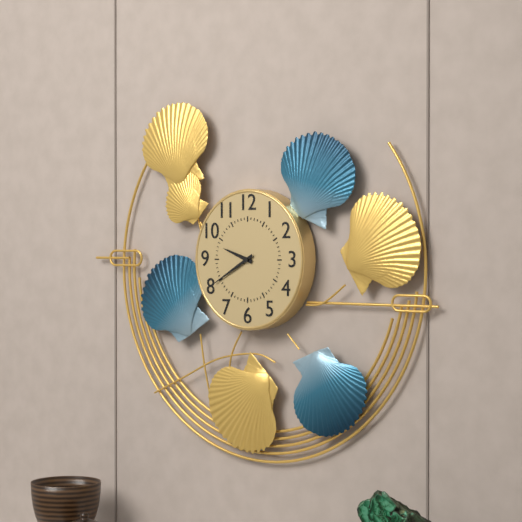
9:40
